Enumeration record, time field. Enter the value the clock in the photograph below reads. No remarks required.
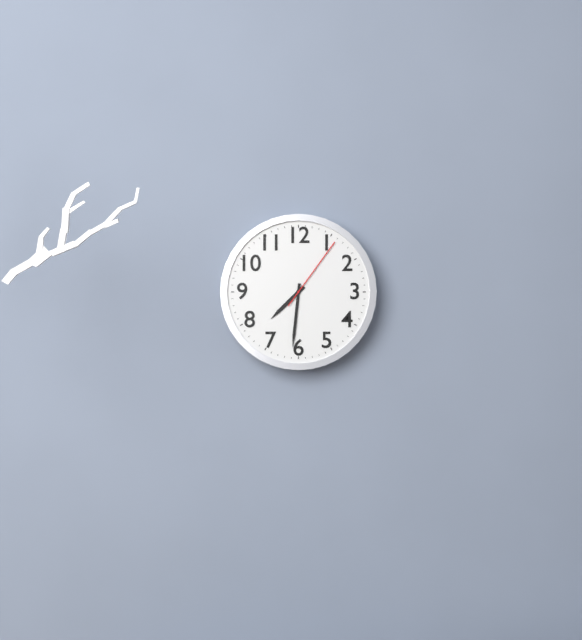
7:31:06
